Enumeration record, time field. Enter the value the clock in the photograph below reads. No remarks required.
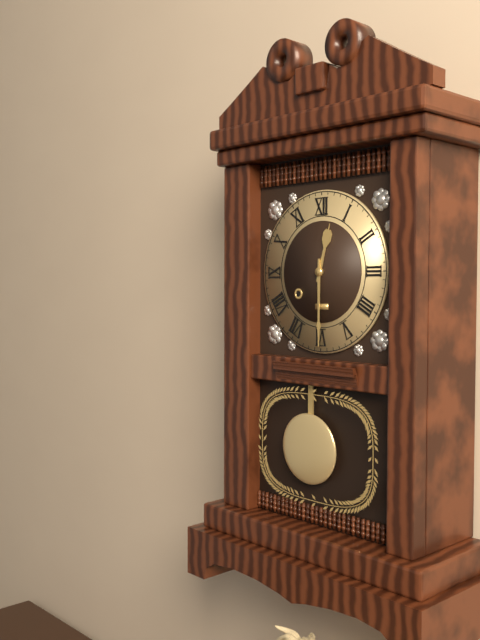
12:30
